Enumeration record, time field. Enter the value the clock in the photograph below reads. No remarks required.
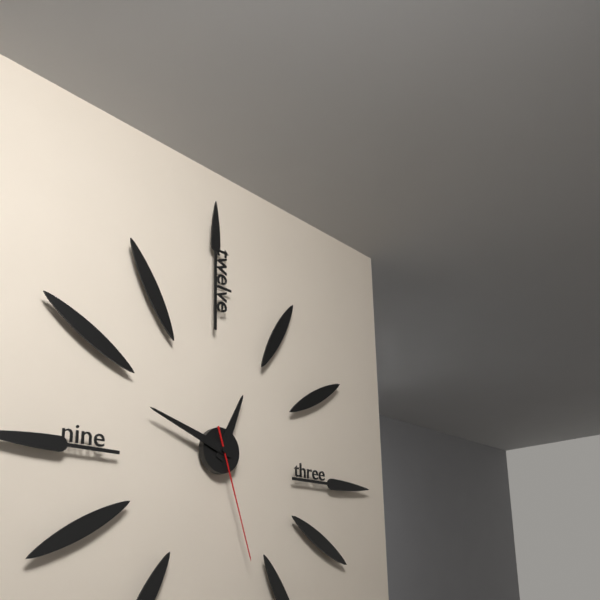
12:48:27
